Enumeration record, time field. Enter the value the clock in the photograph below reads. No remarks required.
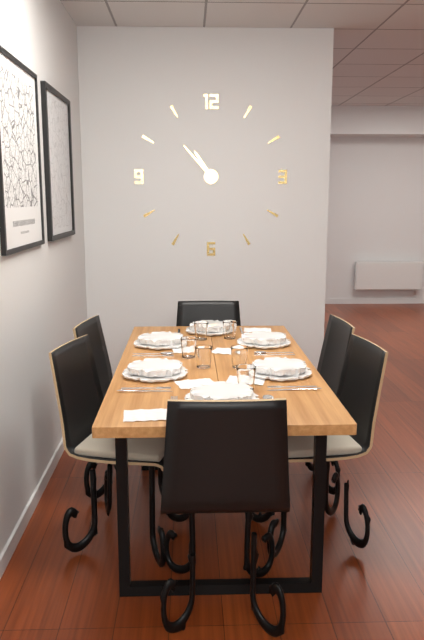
10:53
